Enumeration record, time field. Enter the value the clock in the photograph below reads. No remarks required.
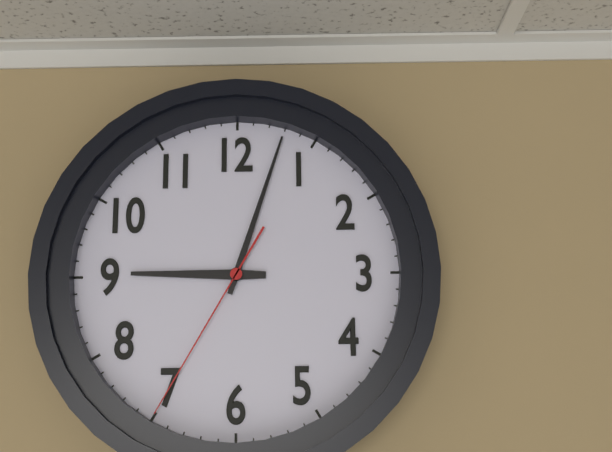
9:03:35
